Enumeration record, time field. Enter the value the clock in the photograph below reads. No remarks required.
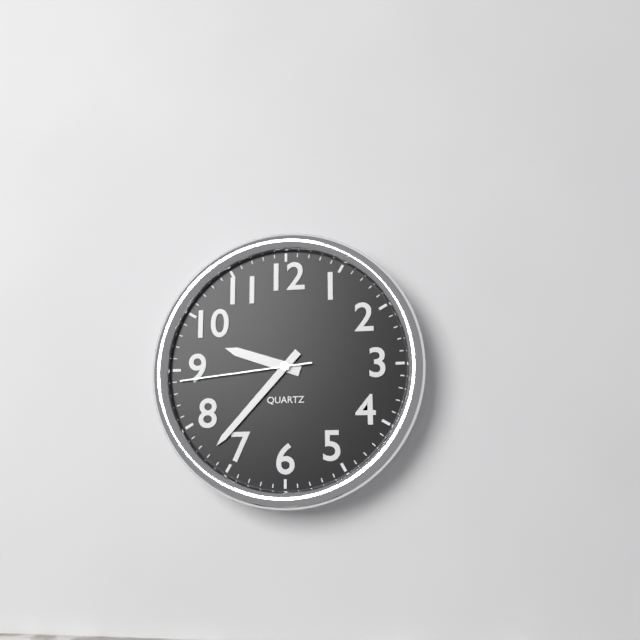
9:37:44
